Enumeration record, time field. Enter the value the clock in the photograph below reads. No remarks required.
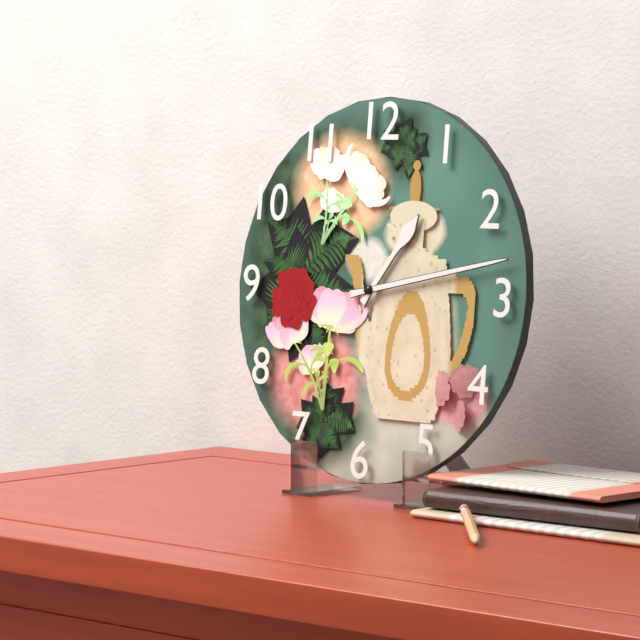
1:13
